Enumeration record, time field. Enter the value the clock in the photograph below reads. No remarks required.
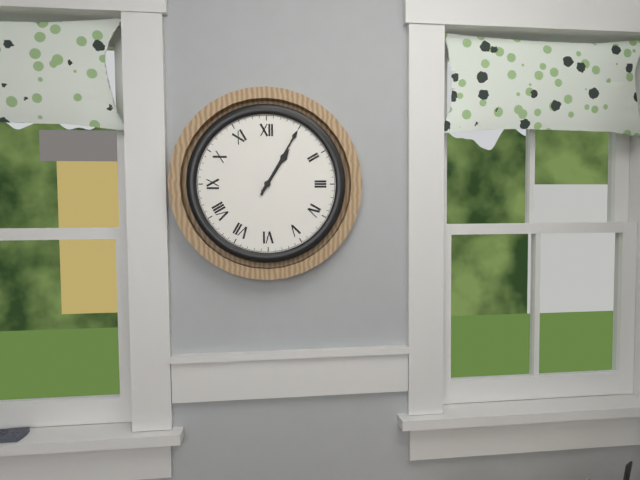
1:05
